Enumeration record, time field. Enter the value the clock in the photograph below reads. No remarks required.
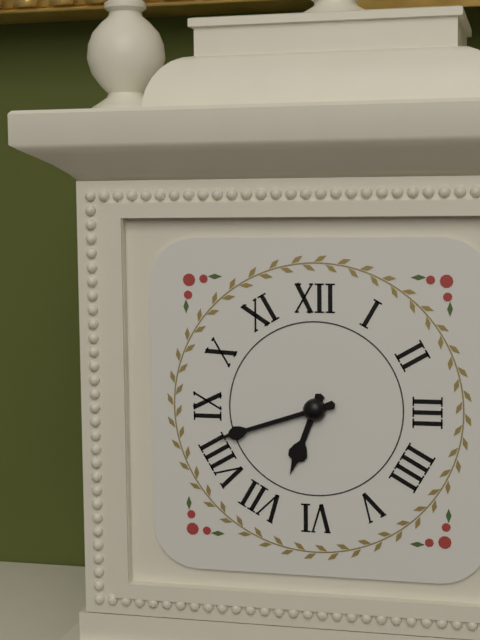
6:42
